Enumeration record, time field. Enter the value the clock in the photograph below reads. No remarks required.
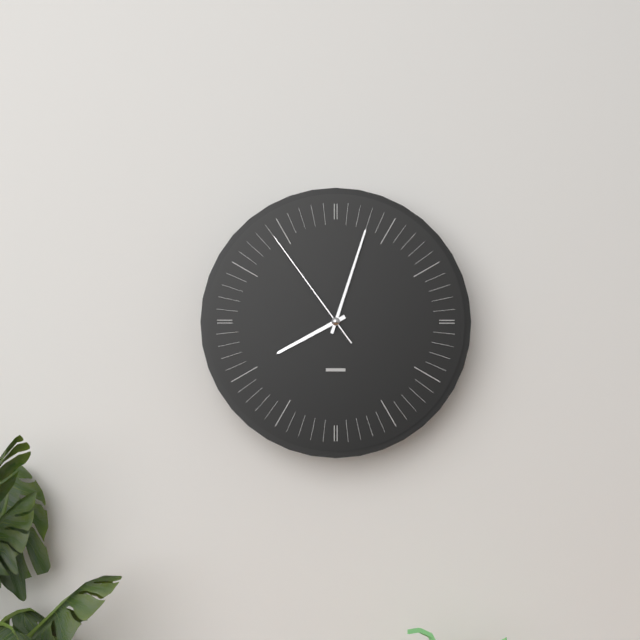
8:03:54
